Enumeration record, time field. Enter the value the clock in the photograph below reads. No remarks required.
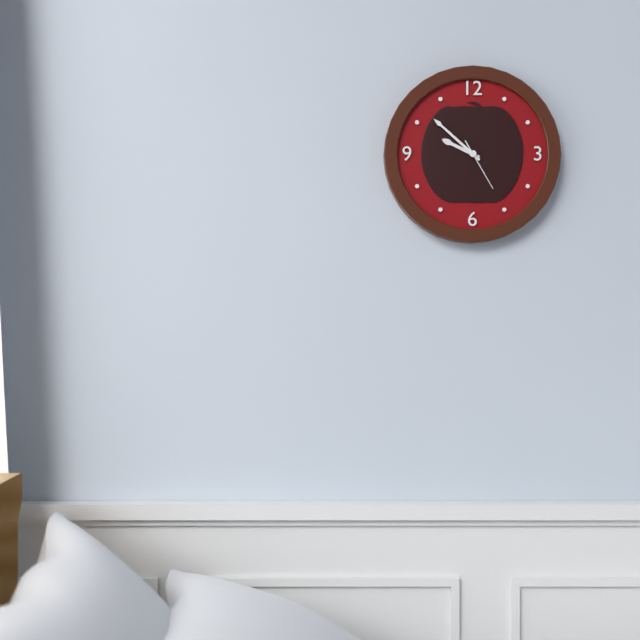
9:52:25
